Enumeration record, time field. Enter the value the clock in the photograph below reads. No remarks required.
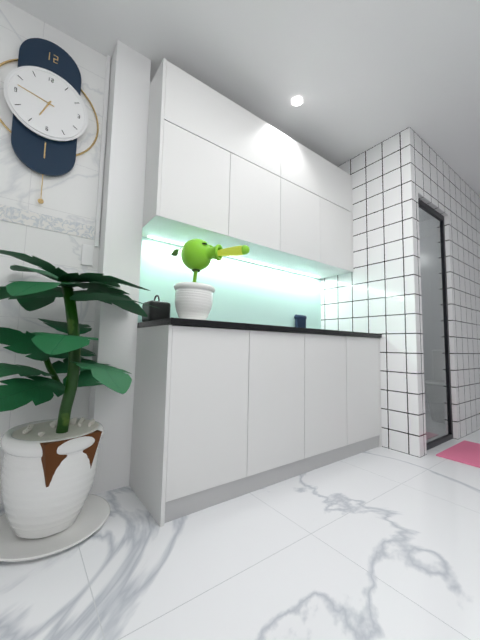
6:47
